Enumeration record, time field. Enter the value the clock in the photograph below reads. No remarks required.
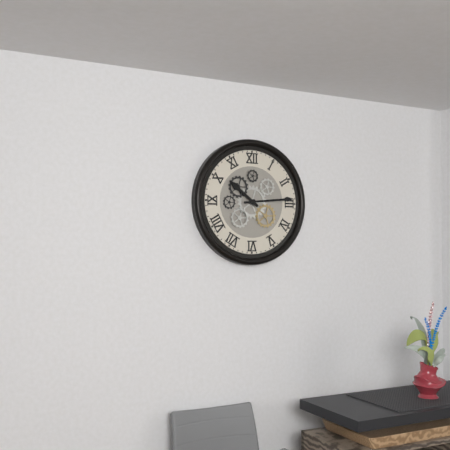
10:14
